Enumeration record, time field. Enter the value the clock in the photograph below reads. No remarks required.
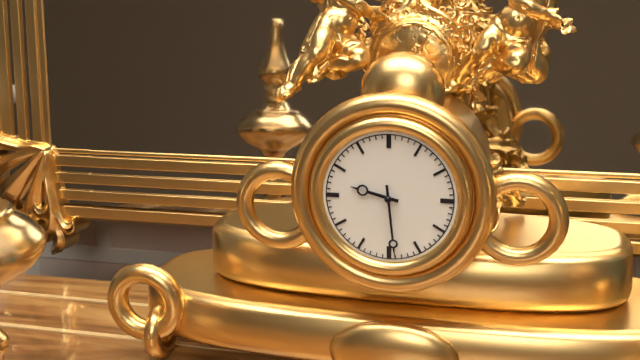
9:29
